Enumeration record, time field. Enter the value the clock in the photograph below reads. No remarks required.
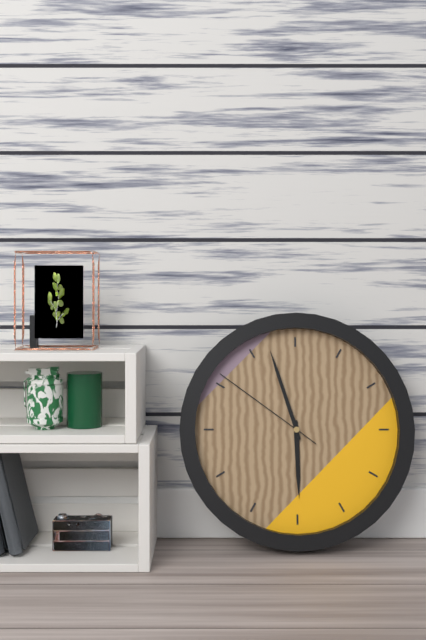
5:57:51
